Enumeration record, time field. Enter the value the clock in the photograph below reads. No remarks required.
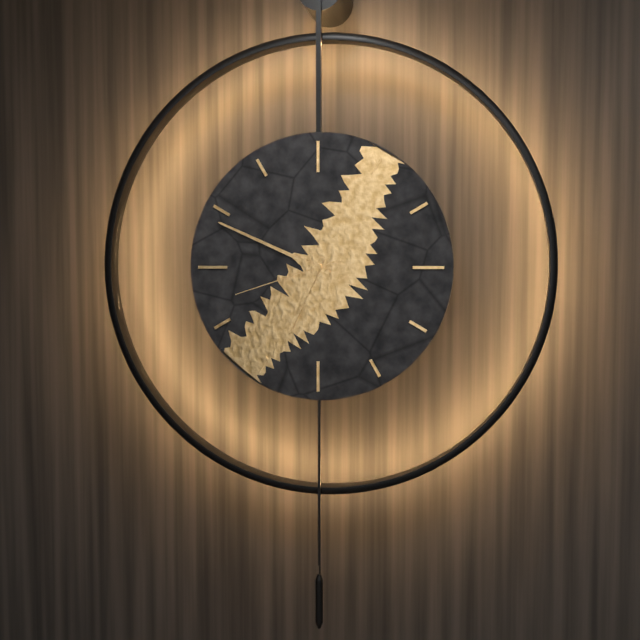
6:49:42
